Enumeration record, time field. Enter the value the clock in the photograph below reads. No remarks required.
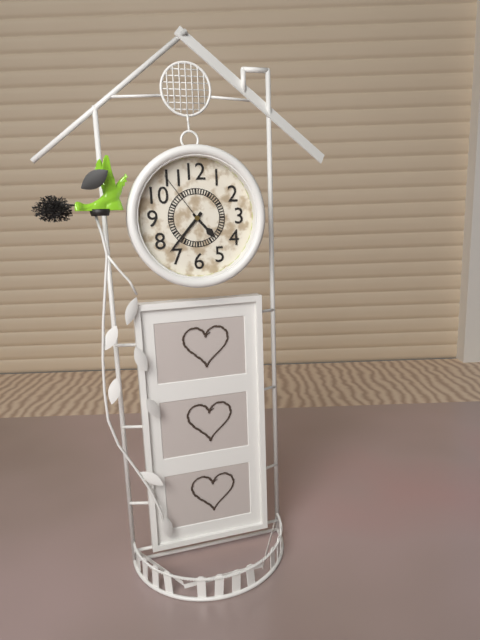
4:37:54
